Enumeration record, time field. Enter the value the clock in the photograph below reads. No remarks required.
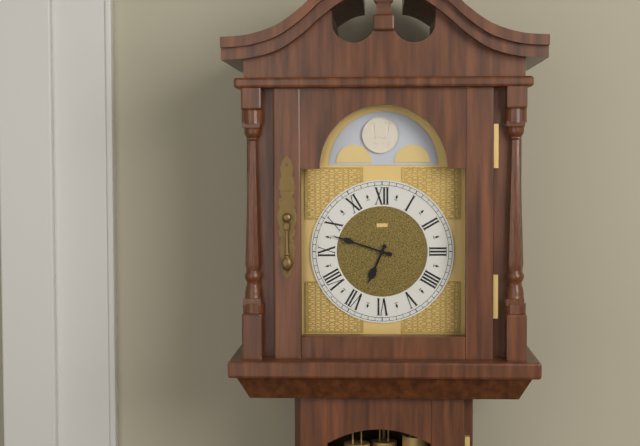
6:48
